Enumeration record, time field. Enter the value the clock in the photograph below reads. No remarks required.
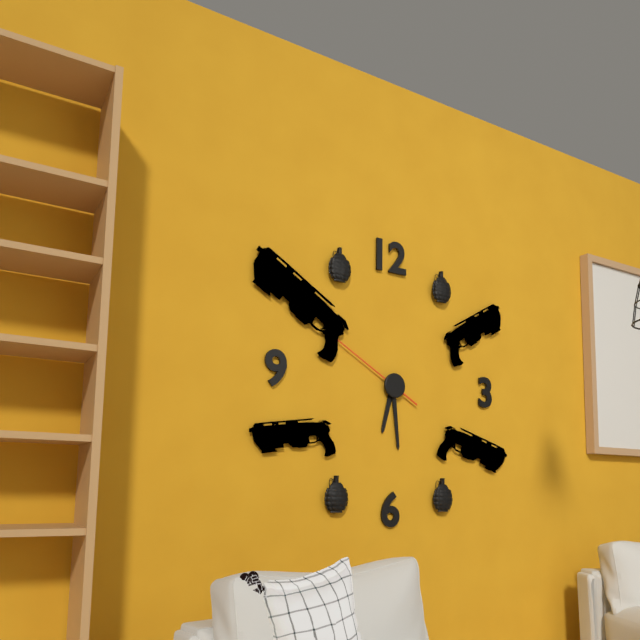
6:29:50
